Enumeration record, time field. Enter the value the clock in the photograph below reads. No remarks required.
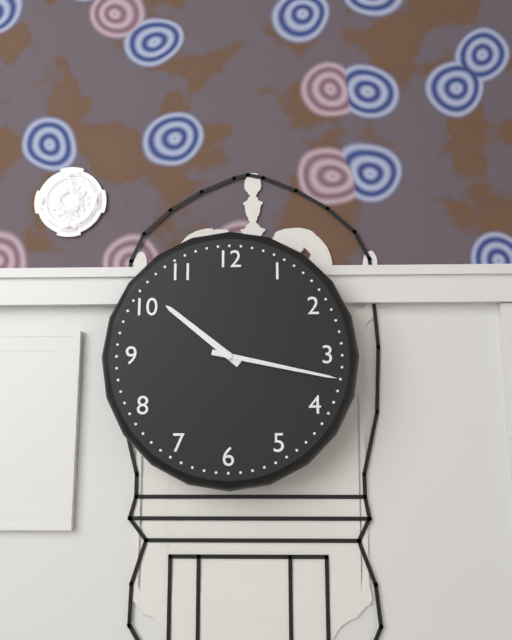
10:17
